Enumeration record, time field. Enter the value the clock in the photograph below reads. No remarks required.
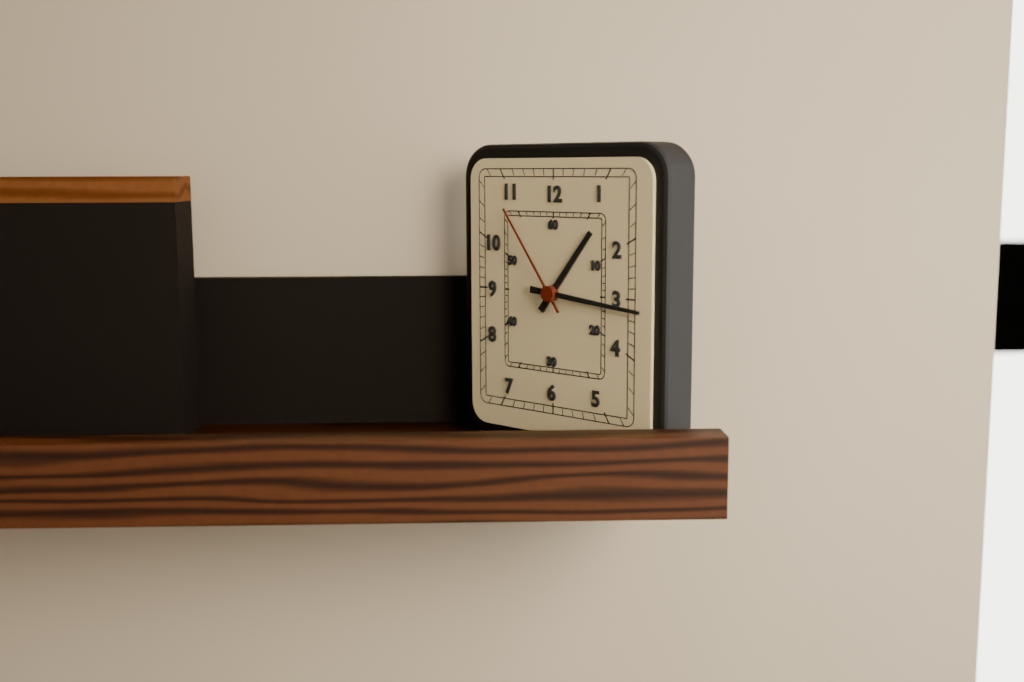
1:16:54
